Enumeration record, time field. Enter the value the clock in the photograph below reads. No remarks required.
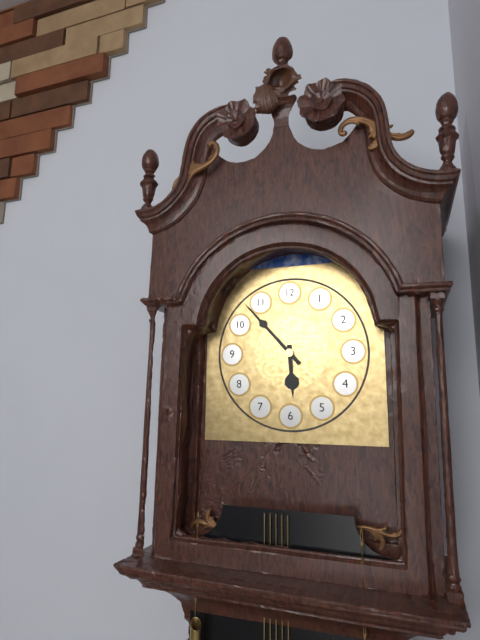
5:53
